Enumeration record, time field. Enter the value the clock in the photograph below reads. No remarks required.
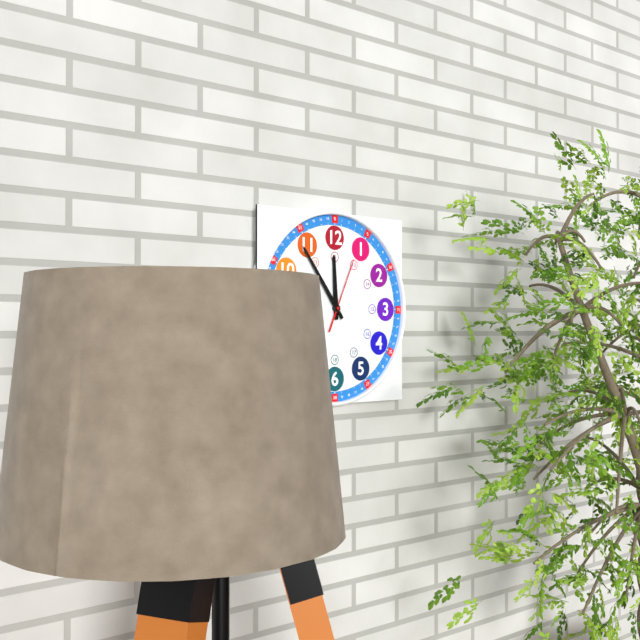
11:54:04
